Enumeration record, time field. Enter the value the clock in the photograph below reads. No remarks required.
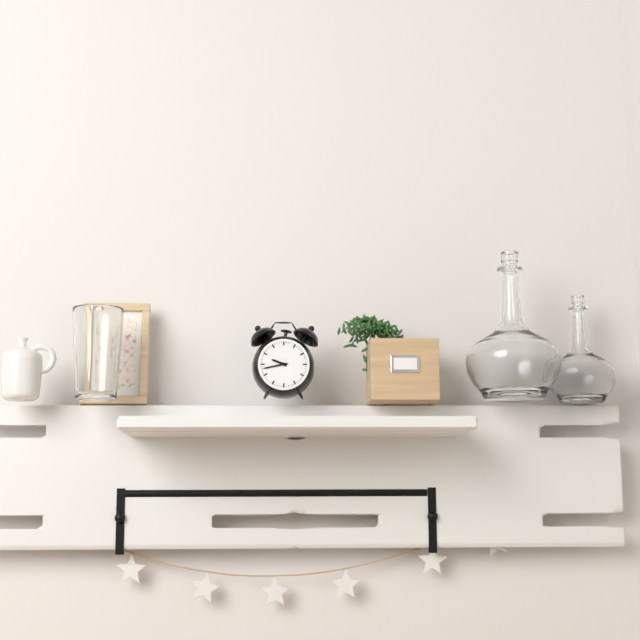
9:43
